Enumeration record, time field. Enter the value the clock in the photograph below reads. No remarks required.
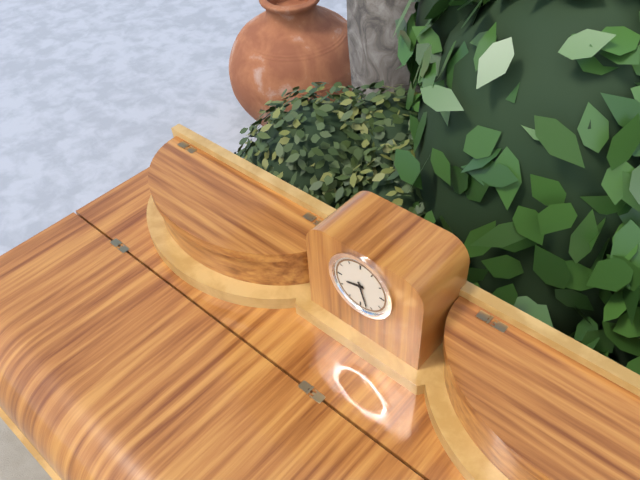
8:27
